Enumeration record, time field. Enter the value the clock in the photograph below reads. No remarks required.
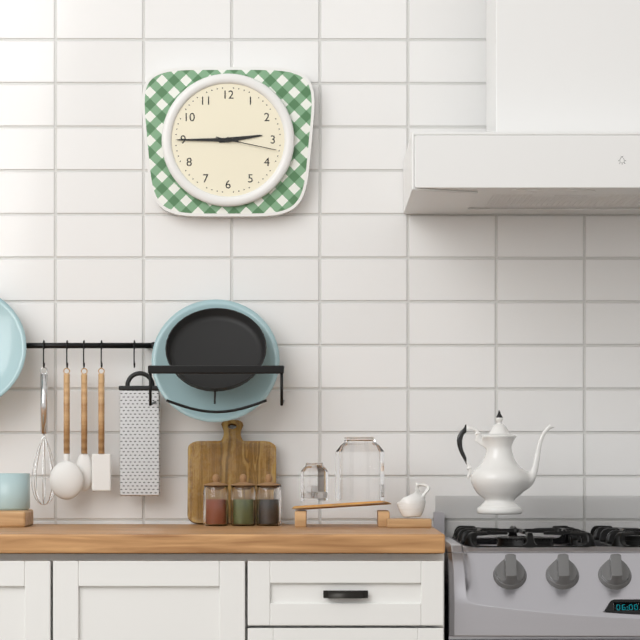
2:45:17
